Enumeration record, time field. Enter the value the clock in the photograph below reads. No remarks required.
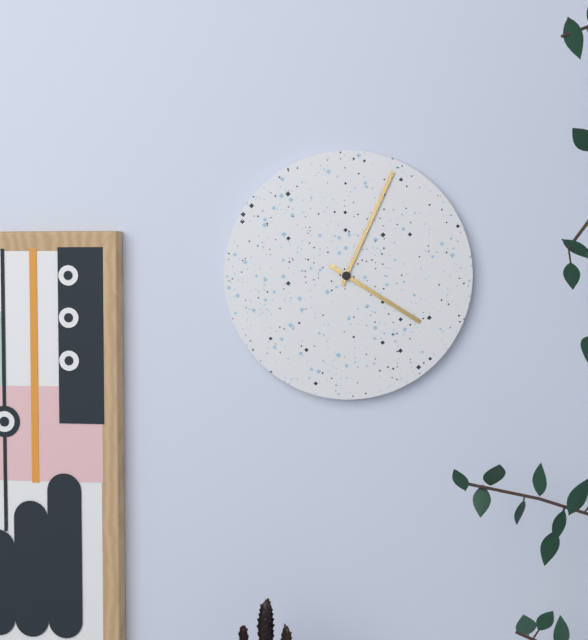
4:04
